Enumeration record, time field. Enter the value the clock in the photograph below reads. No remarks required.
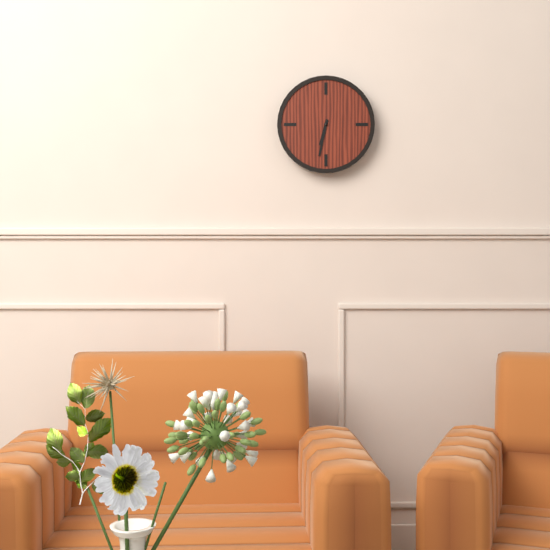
6:32
